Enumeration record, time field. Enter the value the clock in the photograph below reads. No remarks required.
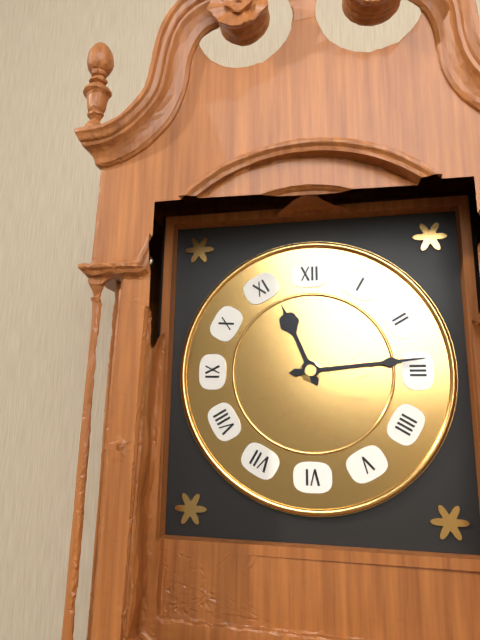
11:14
